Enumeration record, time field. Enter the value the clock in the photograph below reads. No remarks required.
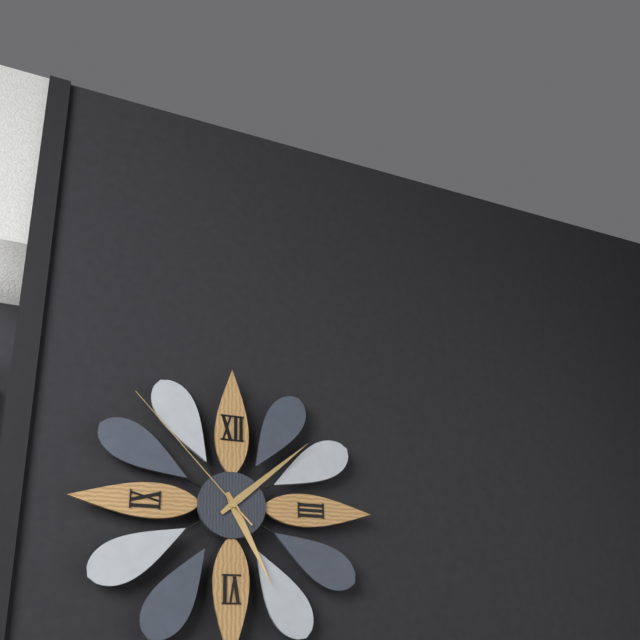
5:08:53
